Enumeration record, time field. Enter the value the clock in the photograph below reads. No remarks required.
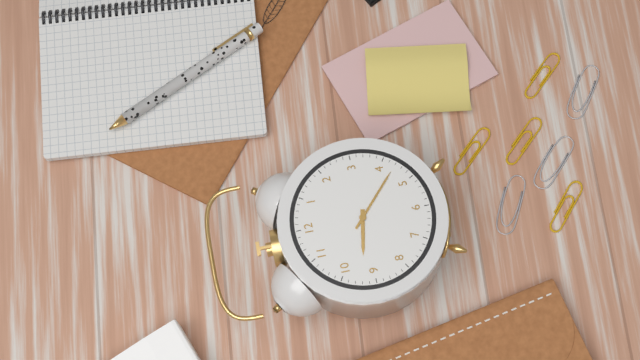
9:22
